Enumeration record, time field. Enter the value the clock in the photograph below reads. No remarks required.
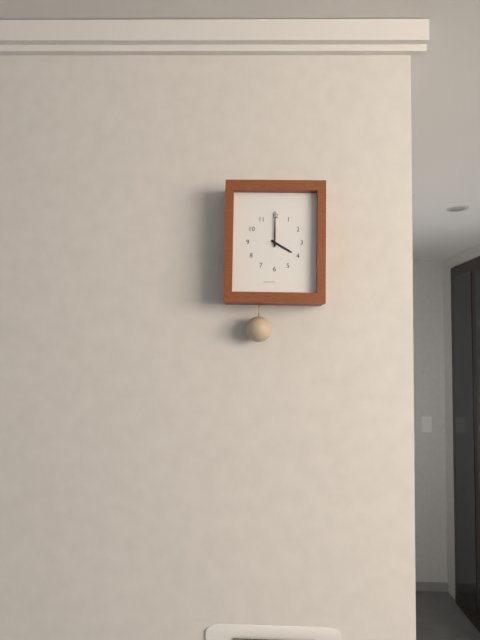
4:00
